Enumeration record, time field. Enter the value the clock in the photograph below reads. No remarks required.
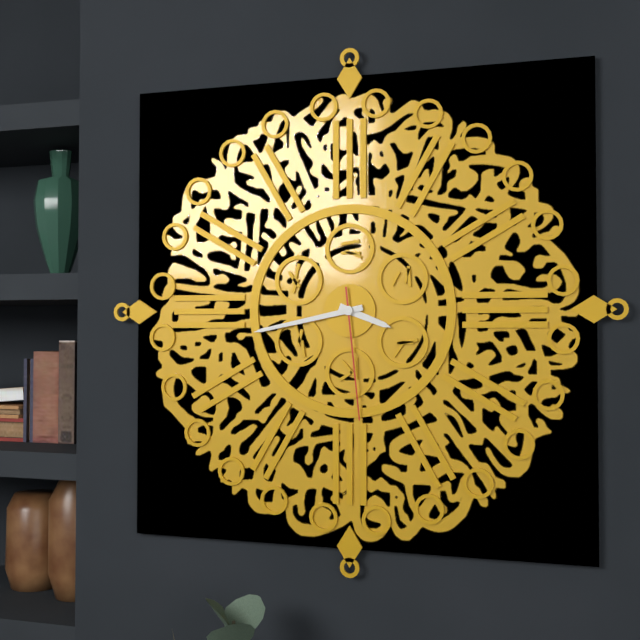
3:43:29
